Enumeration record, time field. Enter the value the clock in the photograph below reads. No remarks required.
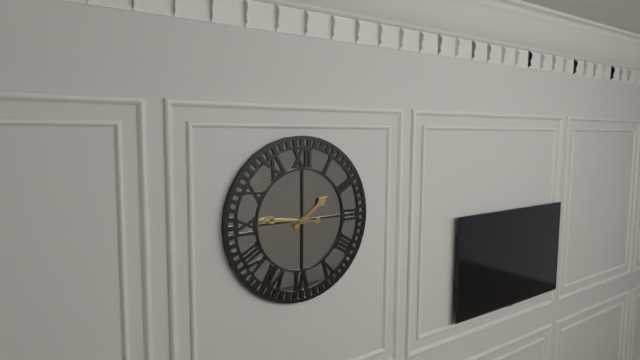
1:46
